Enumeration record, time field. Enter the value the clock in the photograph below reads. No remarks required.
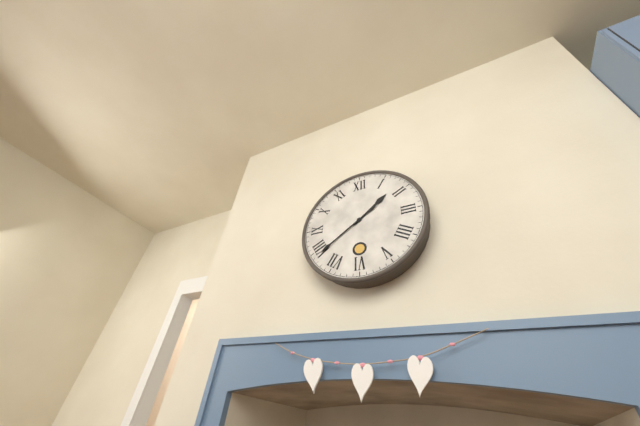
1:39
